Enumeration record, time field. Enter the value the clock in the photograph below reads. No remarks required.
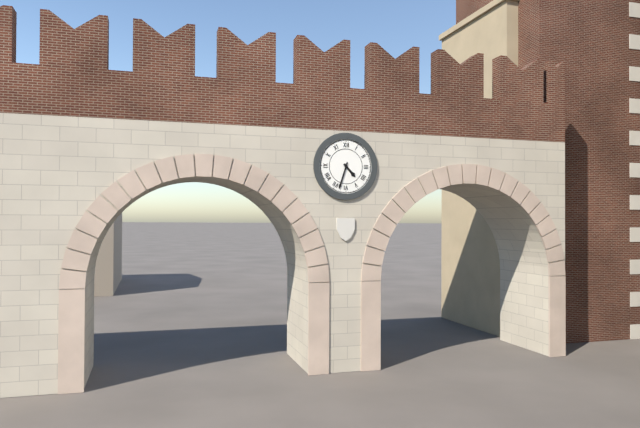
4:33
